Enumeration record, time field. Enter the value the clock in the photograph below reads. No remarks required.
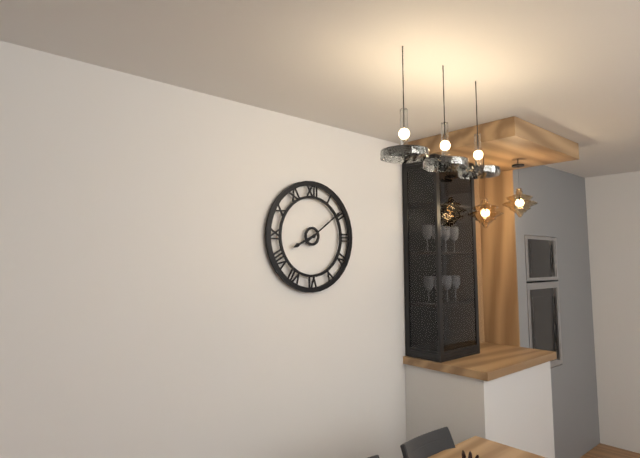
8:09
